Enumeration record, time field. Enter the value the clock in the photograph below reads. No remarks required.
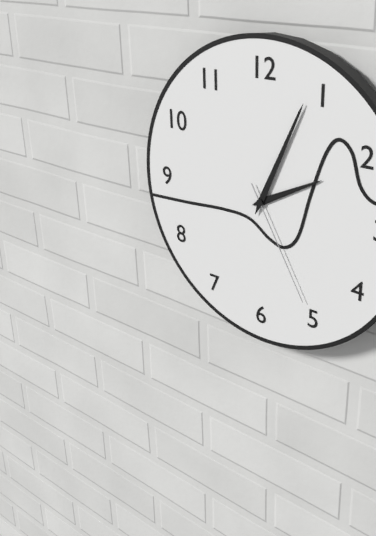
2:04:25
